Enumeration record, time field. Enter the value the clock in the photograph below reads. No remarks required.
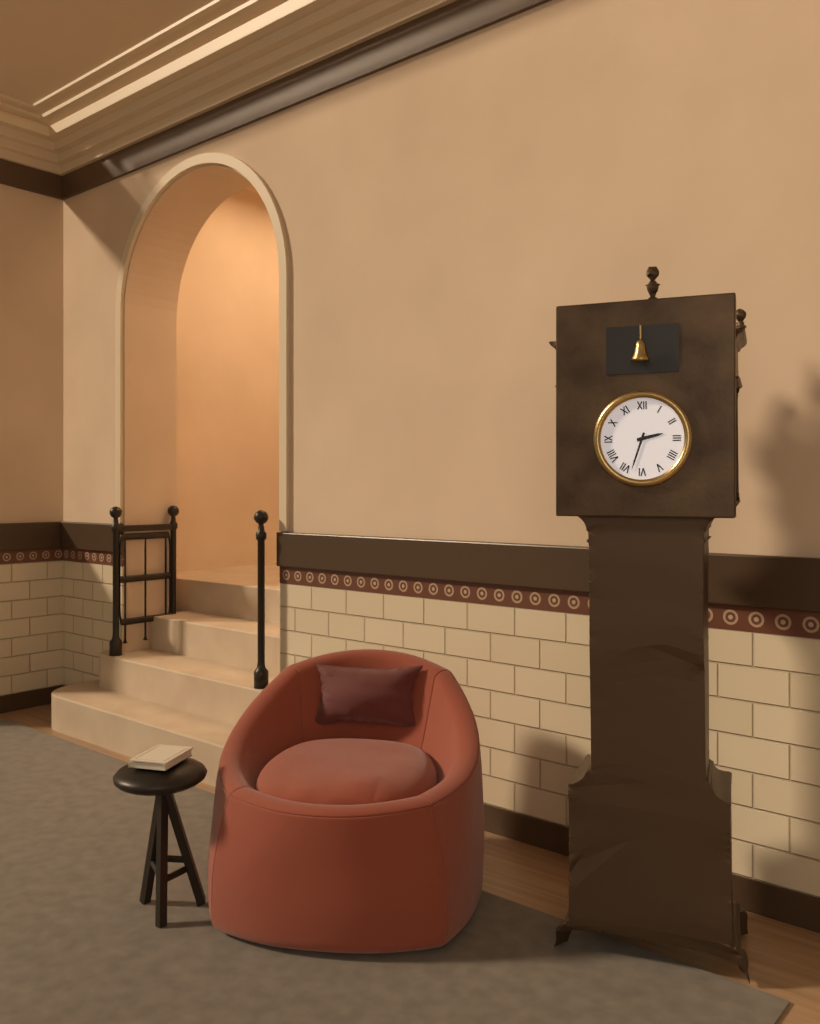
2:33
